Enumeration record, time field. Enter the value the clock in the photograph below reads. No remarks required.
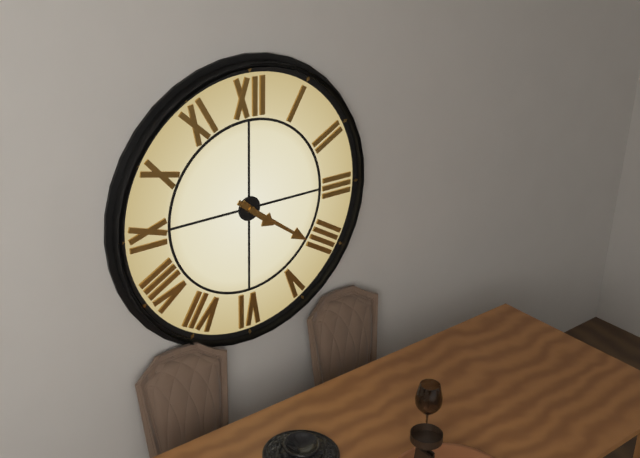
4:21
